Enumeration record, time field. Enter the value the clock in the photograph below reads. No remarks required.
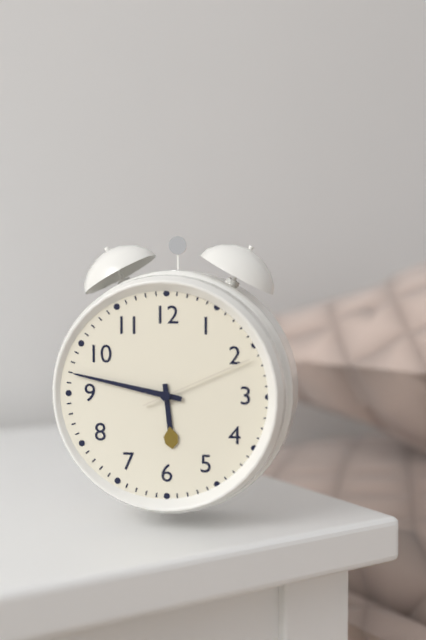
5:47:11
